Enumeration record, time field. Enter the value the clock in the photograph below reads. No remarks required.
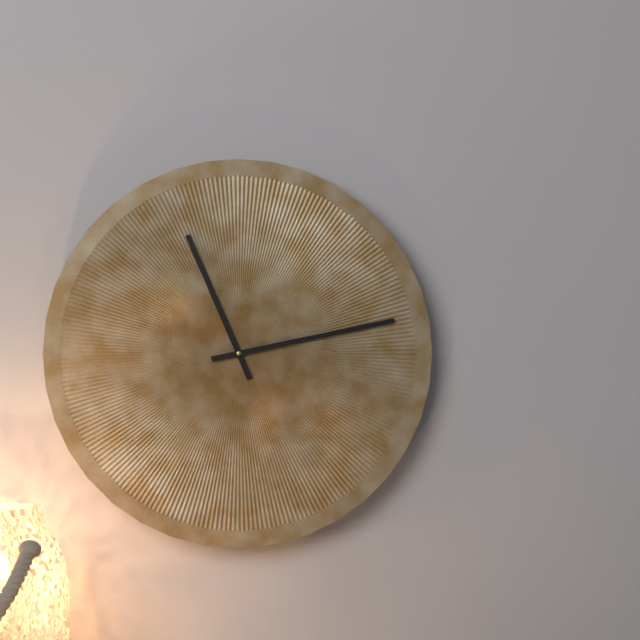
11:13
